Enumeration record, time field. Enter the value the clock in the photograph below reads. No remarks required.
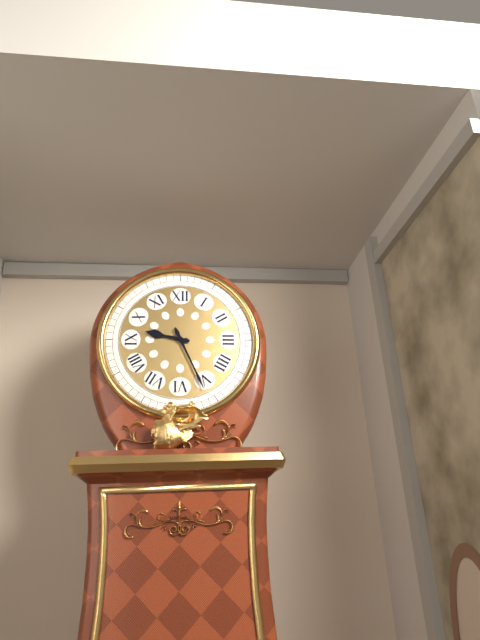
9:26
